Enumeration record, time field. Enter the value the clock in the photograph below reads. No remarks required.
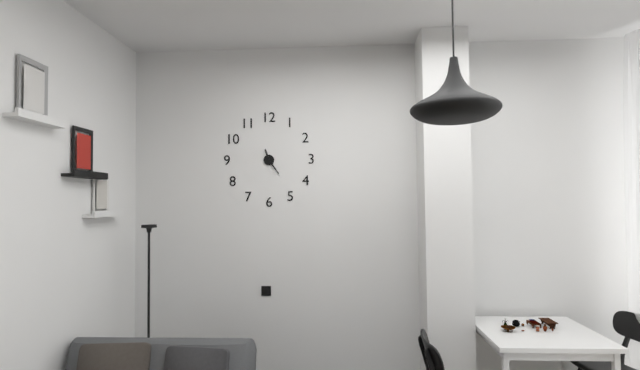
11:24
